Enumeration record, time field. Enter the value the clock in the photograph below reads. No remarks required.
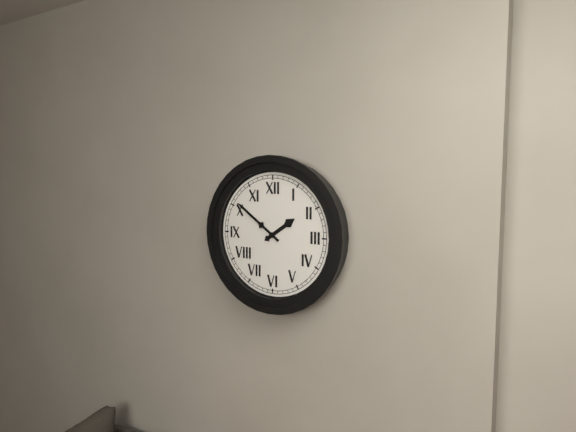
1:51
